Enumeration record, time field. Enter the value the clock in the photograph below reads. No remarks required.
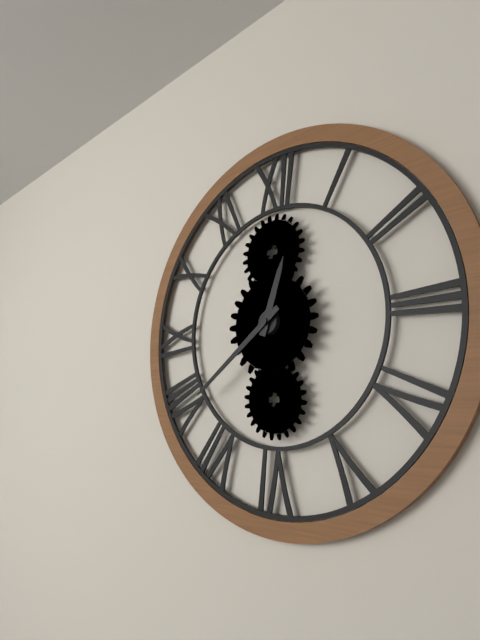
12:39
